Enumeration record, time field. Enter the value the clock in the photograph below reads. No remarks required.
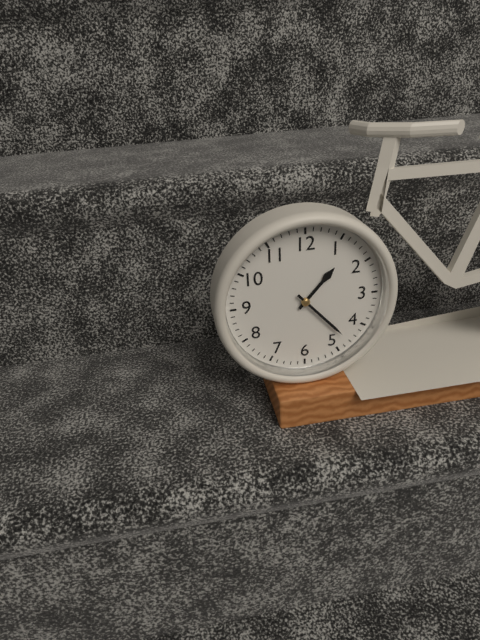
1:23
